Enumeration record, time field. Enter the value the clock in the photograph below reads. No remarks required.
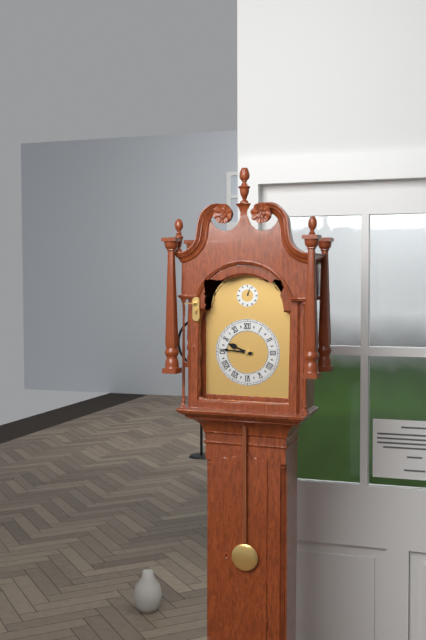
9:46
